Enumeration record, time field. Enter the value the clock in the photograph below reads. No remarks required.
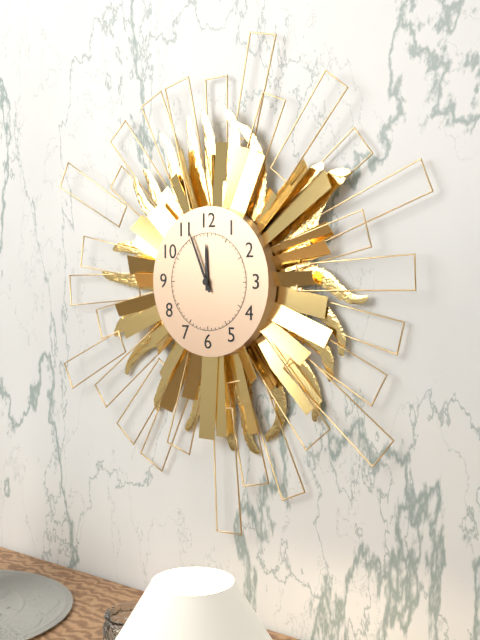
11:56
